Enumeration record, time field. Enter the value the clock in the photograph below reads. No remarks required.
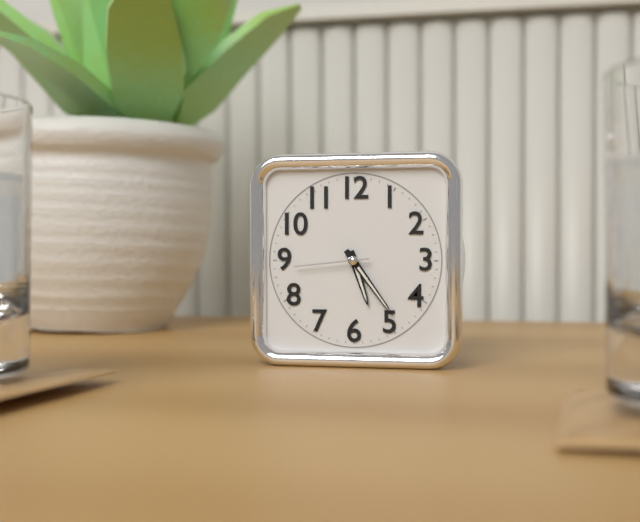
5:24:44
